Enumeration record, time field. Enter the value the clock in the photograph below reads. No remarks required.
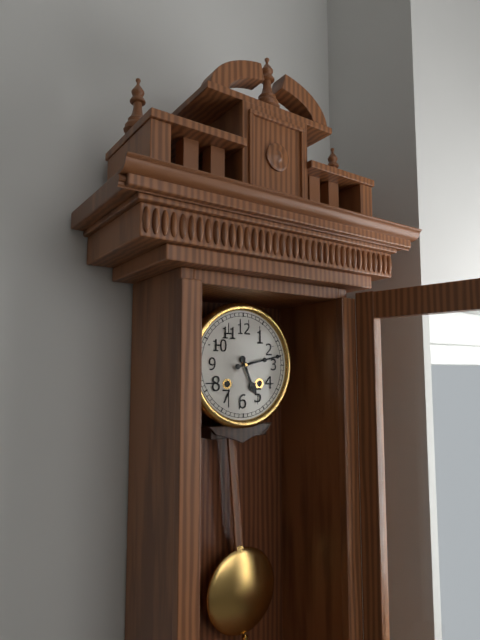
5:13
